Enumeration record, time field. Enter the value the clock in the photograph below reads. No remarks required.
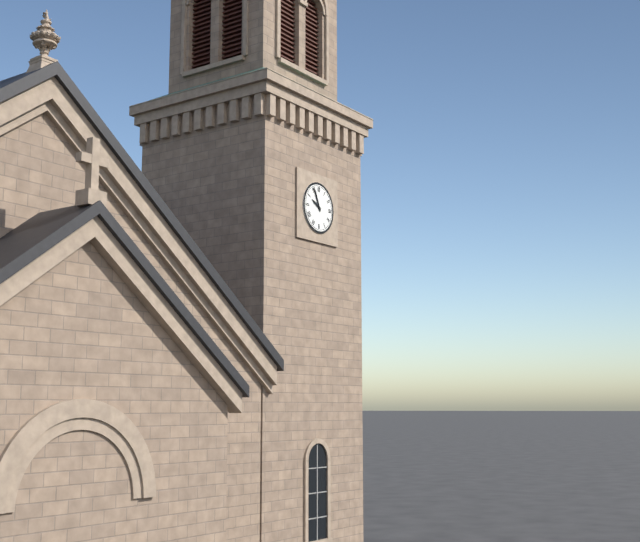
9:56
